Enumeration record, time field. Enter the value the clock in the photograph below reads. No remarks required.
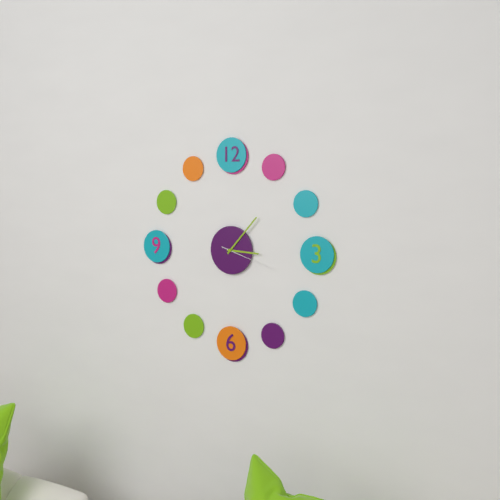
3:07:18
